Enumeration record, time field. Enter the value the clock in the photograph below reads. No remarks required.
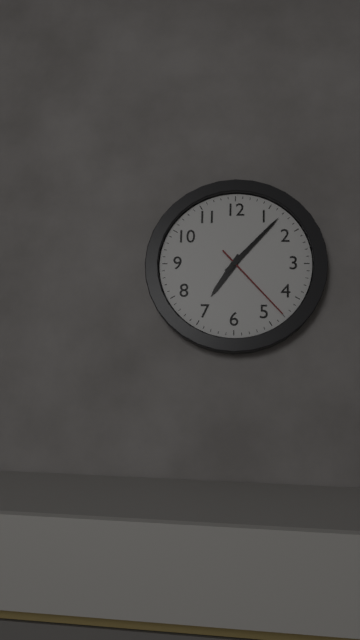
7:07:23
